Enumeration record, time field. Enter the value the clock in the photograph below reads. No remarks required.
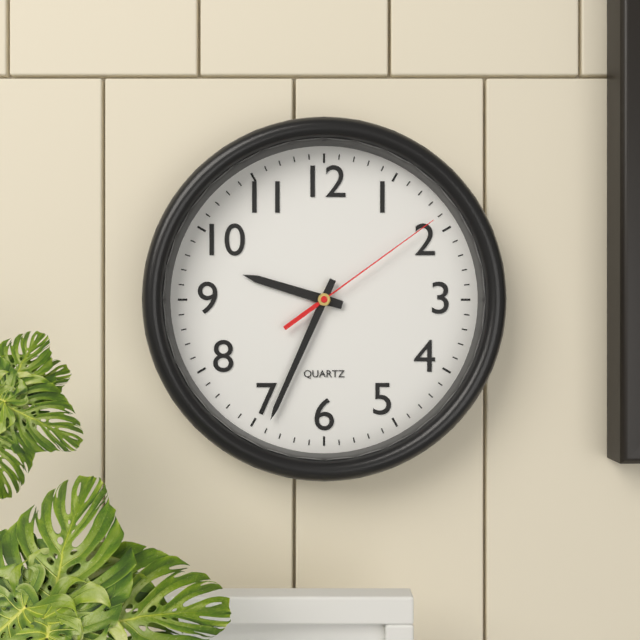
9:34:09
